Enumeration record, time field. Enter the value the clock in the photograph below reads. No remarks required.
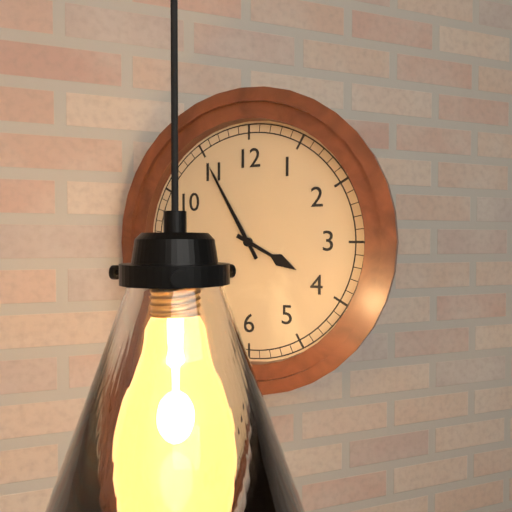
3:55
